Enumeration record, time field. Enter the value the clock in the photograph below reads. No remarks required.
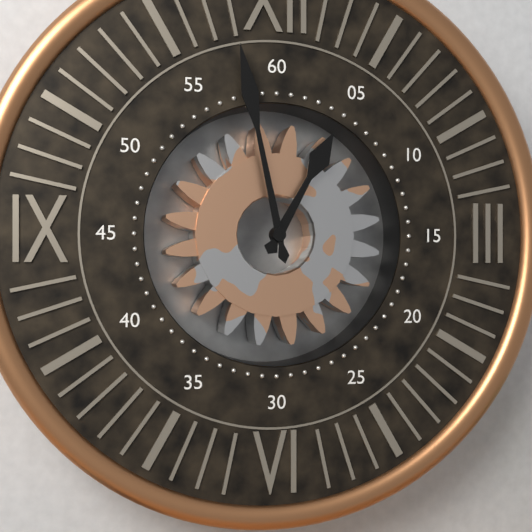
12:58
